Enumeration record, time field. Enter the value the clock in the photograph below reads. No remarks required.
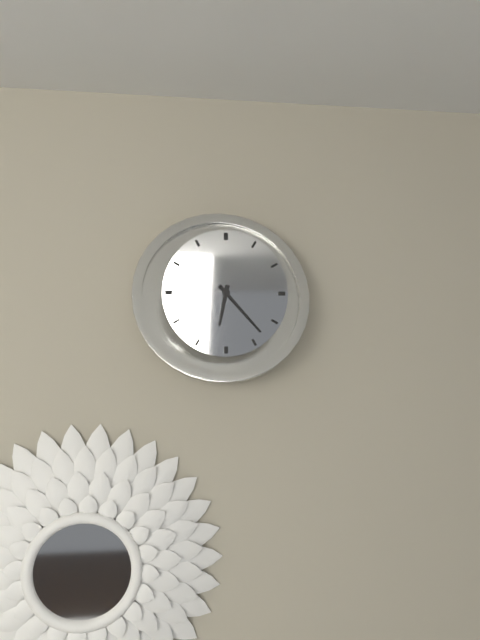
6:23
